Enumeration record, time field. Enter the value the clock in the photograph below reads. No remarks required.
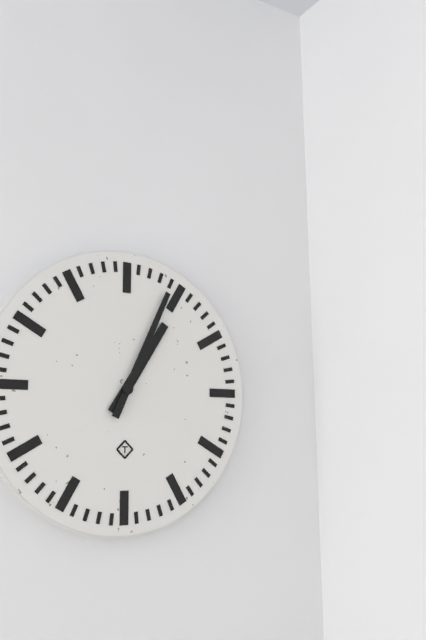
1:04
